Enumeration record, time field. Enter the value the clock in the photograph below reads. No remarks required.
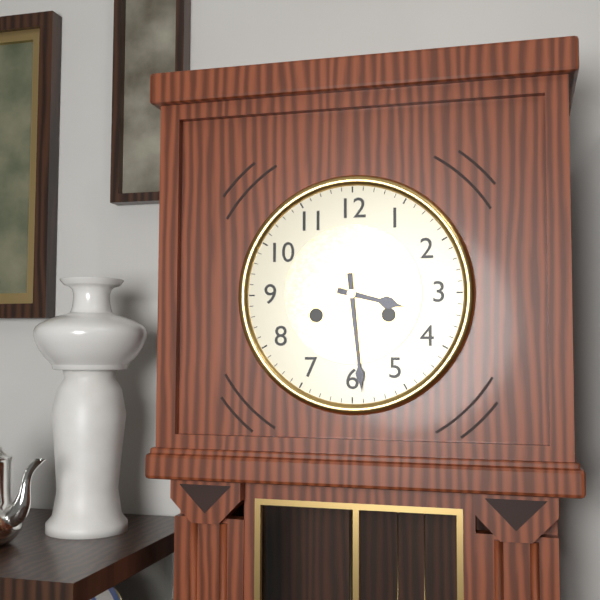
3:29
